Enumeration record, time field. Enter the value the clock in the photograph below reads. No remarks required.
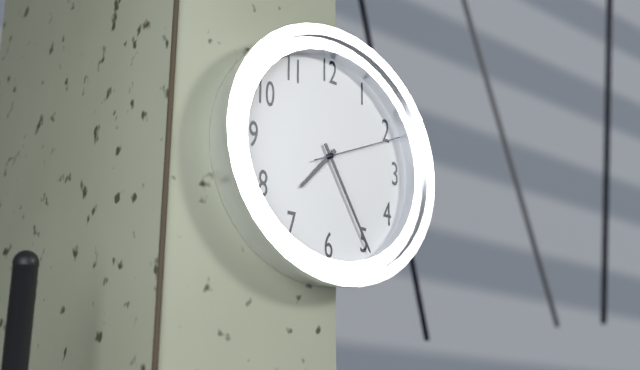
7:25:11
